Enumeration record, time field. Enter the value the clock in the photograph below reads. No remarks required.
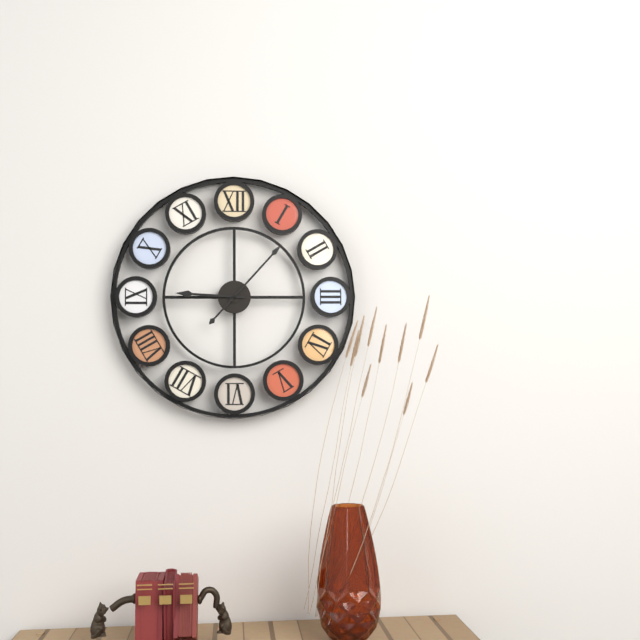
9:07
